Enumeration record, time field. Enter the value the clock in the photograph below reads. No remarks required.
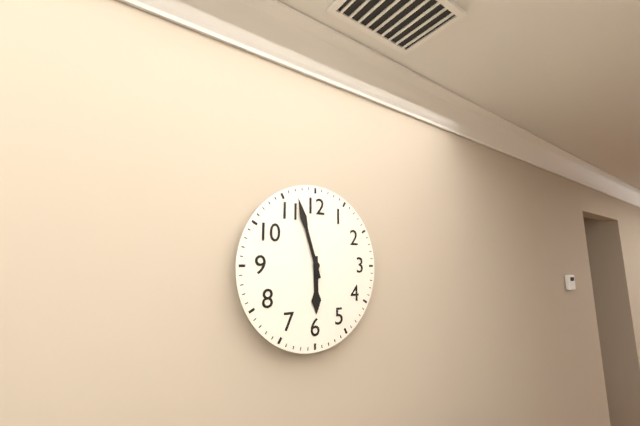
5:57
